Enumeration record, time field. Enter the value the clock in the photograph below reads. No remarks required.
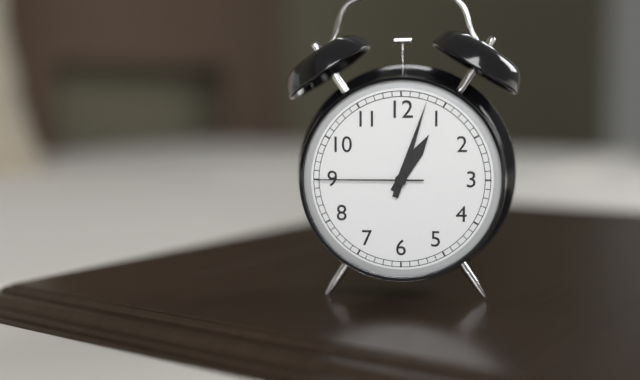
1:03:45
